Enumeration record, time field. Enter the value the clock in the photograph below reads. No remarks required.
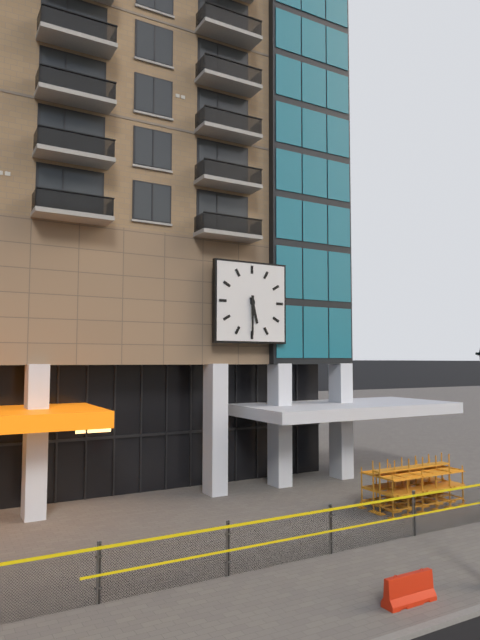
5:30
